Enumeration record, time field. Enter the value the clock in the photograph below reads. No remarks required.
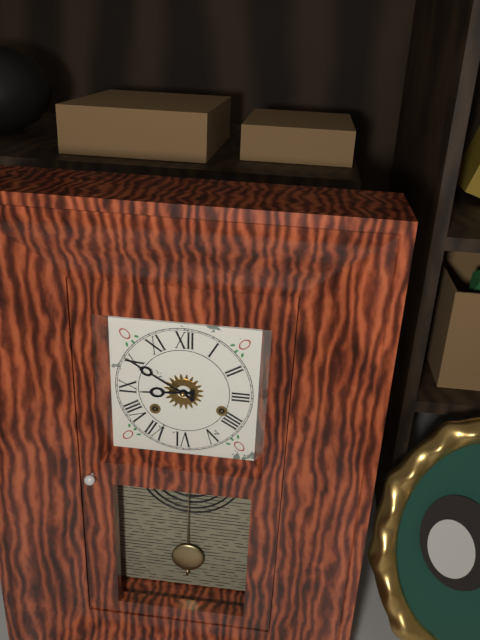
8:50
